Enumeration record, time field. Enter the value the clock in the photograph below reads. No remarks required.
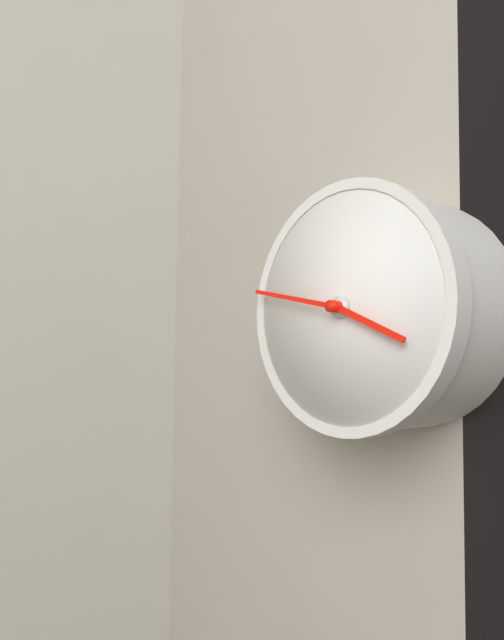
3:47
